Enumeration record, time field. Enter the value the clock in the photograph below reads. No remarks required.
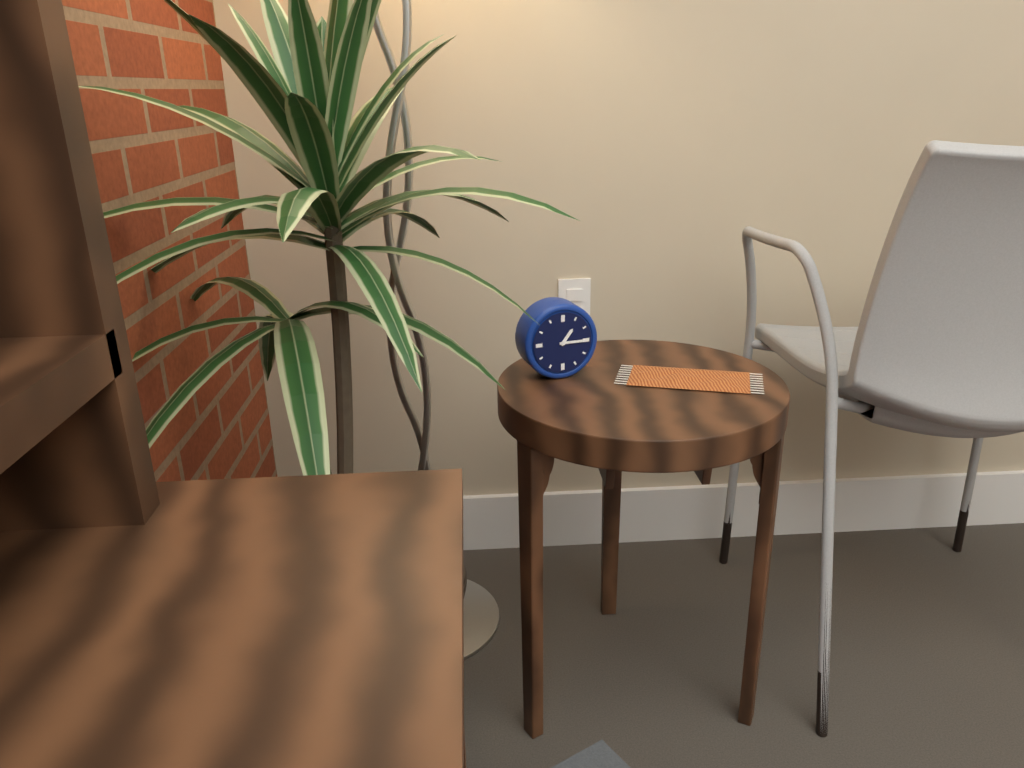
1:15
